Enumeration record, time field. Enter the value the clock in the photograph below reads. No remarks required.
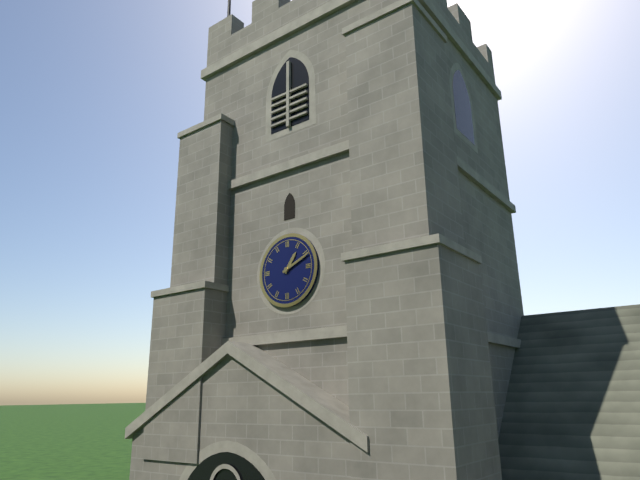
1:11
